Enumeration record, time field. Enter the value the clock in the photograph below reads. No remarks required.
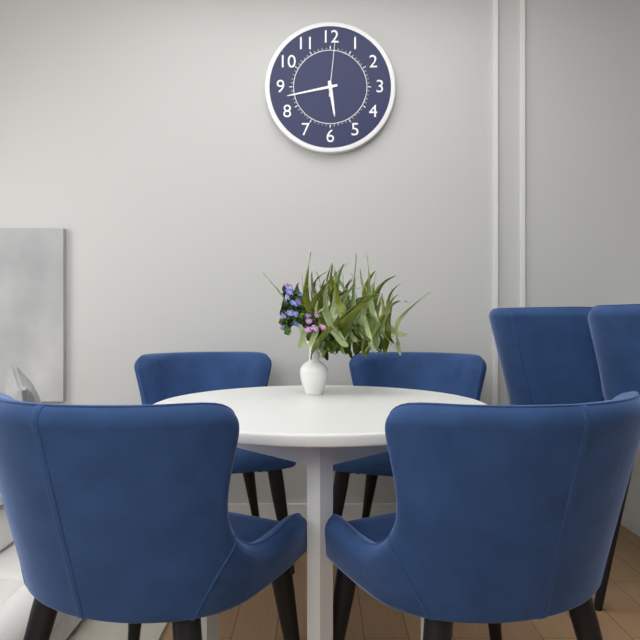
5:43:01
